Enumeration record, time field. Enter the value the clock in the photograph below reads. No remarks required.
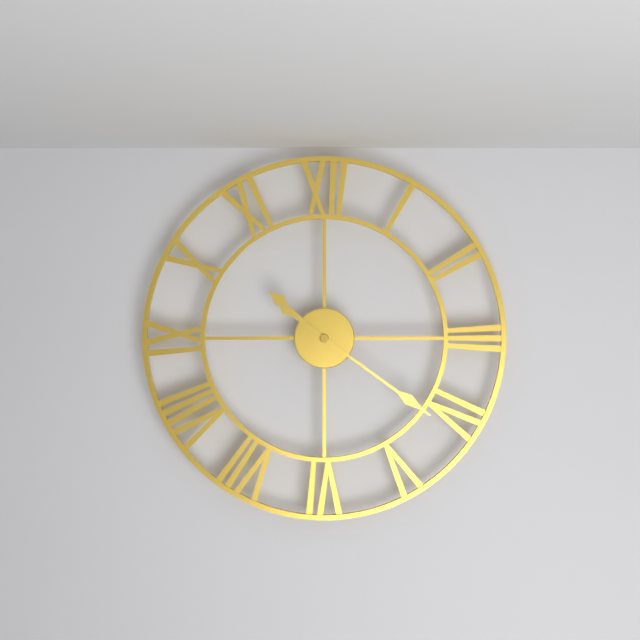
10:21
